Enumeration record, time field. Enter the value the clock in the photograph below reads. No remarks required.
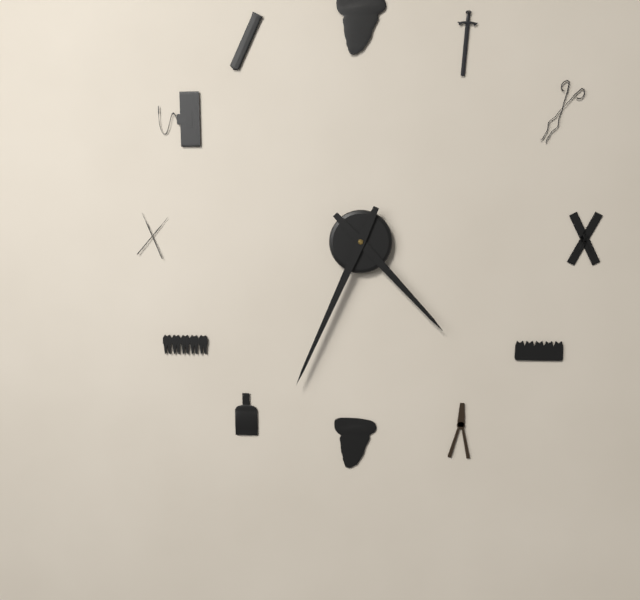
4:34
